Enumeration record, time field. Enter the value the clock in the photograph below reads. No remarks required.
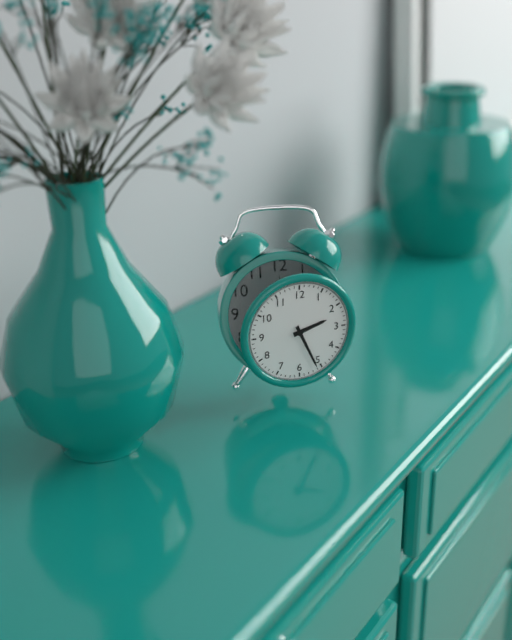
2:26
